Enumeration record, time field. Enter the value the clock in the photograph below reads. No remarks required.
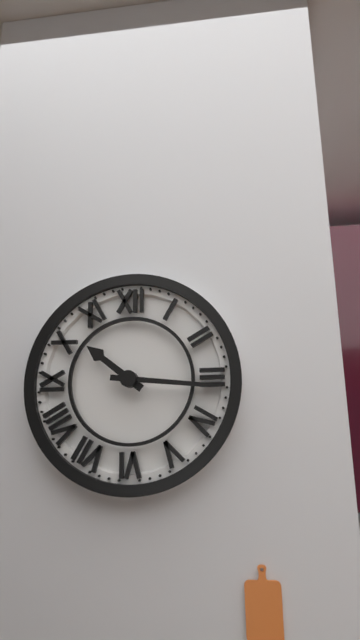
10:16
